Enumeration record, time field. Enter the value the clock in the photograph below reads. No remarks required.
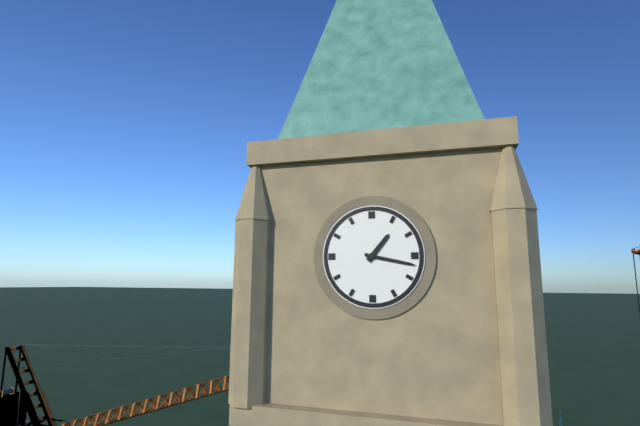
1:17
